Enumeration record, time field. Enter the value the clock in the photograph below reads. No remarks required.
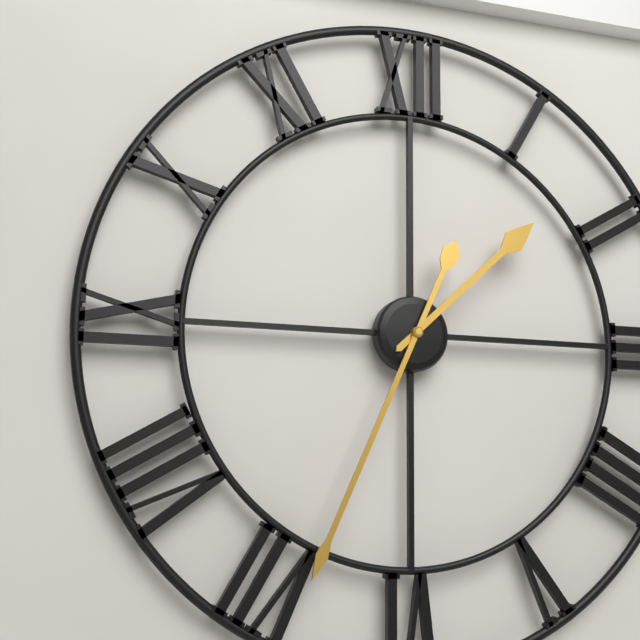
1:34
